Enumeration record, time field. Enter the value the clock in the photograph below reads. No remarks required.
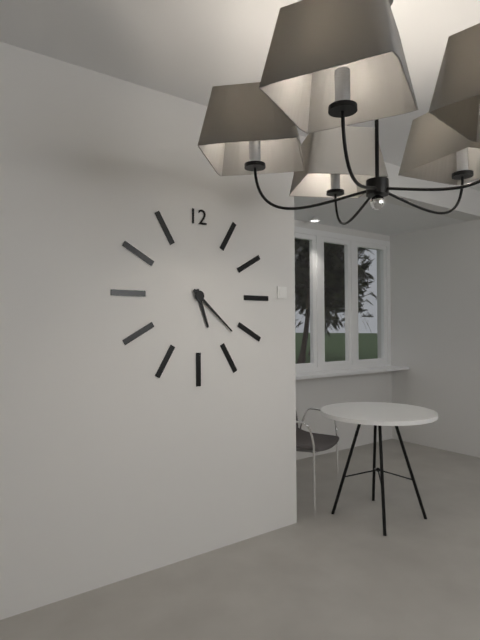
5:22
